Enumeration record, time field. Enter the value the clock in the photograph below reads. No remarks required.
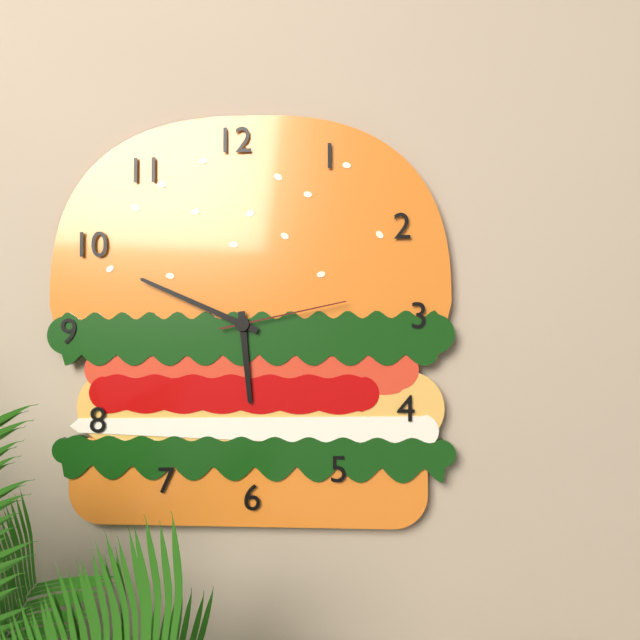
5:49:13
